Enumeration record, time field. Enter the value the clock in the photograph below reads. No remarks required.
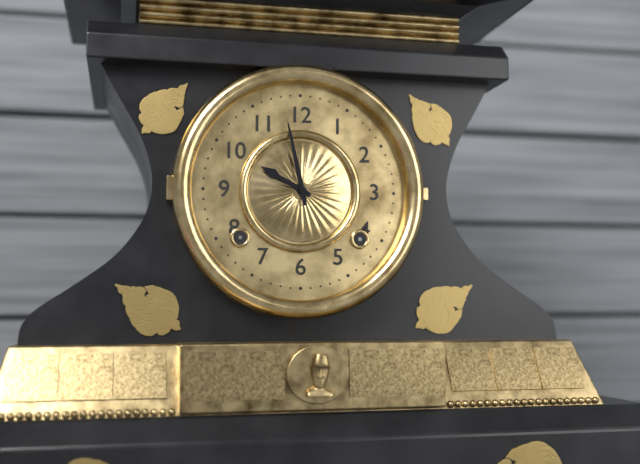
9:58
